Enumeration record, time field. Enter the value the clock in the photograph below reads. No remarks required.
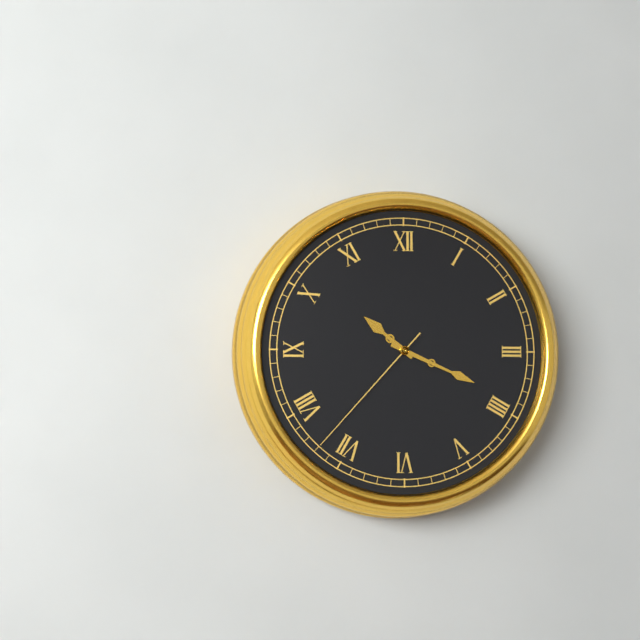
10:19:37
